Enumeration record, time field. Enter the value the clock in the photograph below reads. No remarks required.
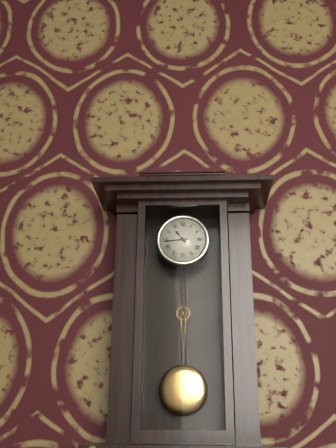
10:44
